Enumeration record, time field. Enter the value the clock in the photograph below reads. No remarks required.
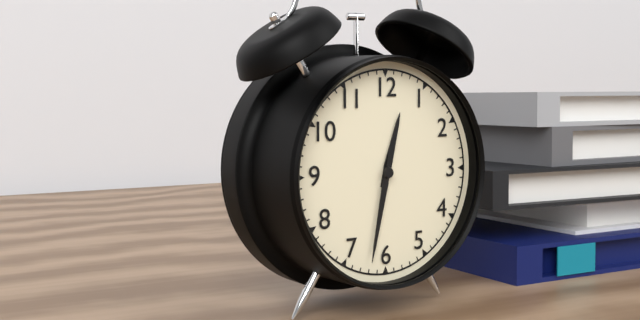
12:32
